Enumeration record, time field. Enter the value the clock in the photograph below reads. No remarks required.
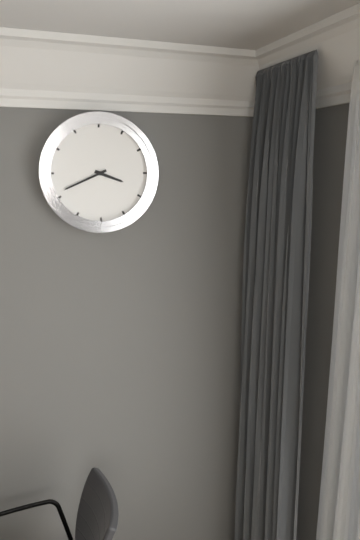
3:41
